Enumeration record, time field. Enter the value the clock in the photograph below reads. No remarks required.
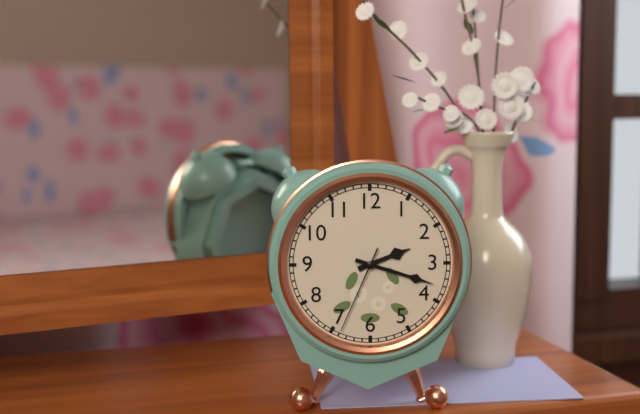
2:18:34
